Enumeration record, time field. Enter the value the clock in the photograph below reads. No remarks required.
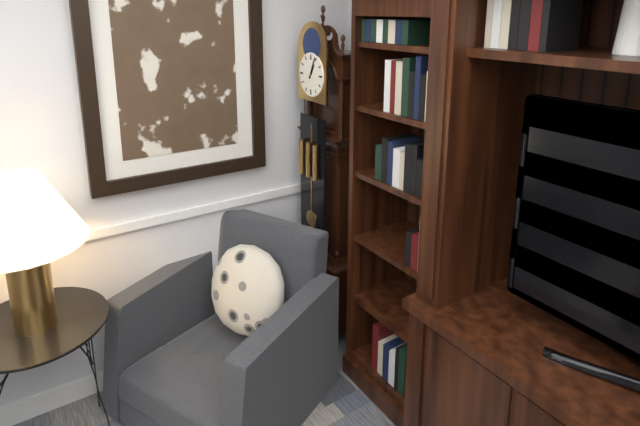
1:04
